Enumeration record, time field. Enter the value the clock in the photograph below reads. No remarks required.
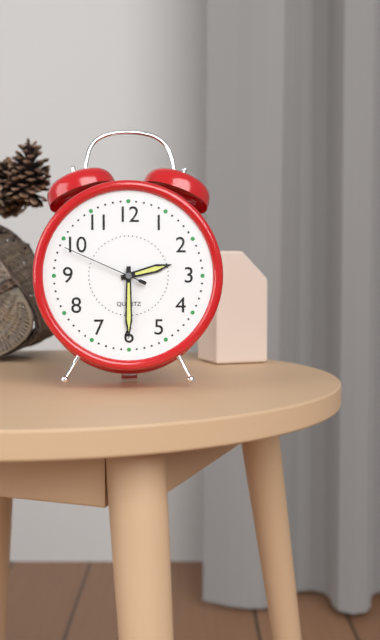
2:30:49
